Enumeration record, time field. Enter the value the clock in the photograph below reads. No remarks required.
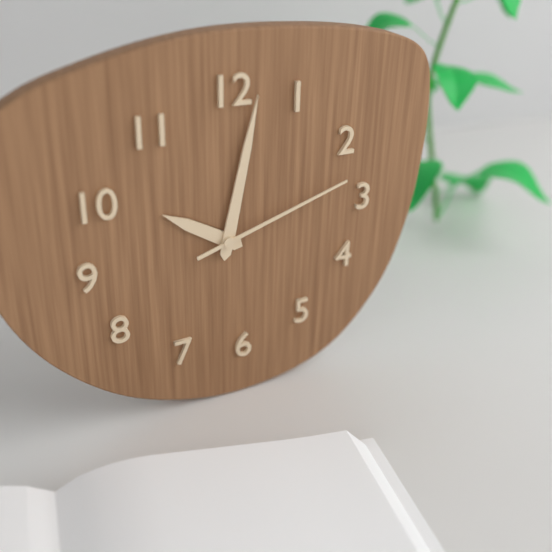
10:02:12
